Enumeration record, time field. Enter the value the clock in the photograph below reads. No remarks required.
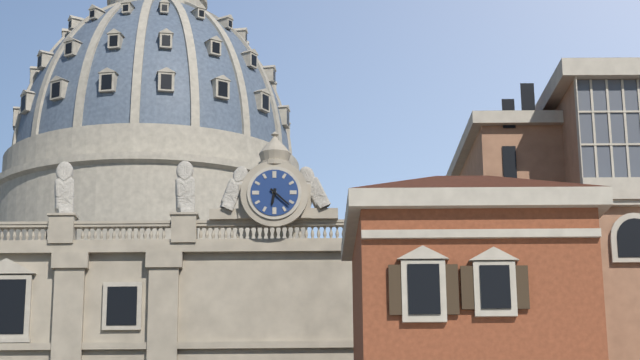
6:22
